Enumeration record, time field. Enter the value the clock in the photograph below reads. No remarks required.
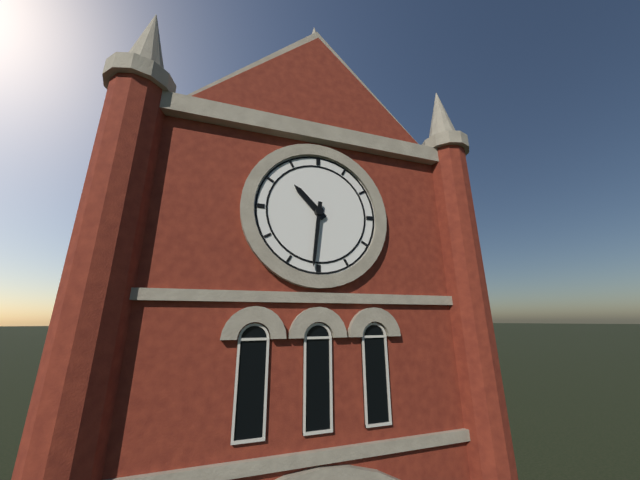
10:31
